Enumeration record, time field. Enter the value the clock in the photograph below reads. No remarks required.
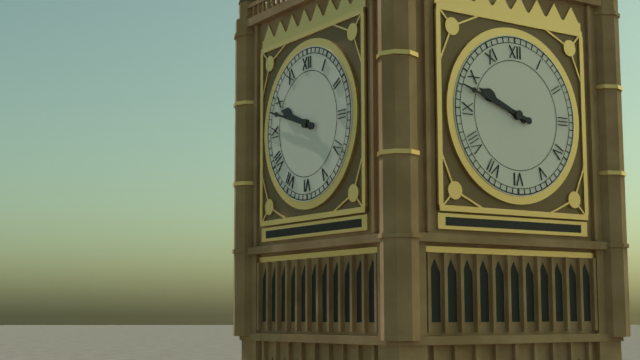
9:48
